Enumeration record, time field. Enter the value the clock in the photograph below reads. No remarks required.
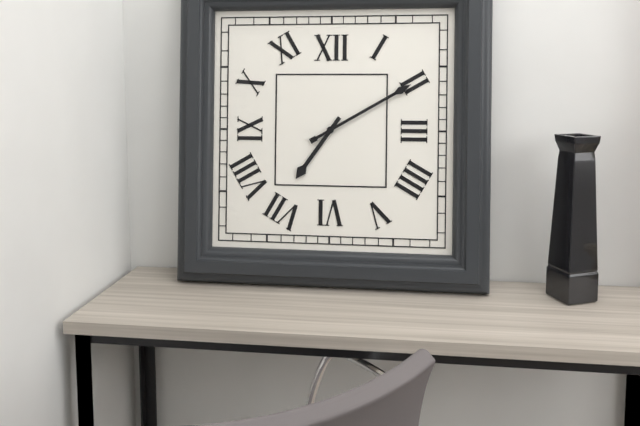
7:10
